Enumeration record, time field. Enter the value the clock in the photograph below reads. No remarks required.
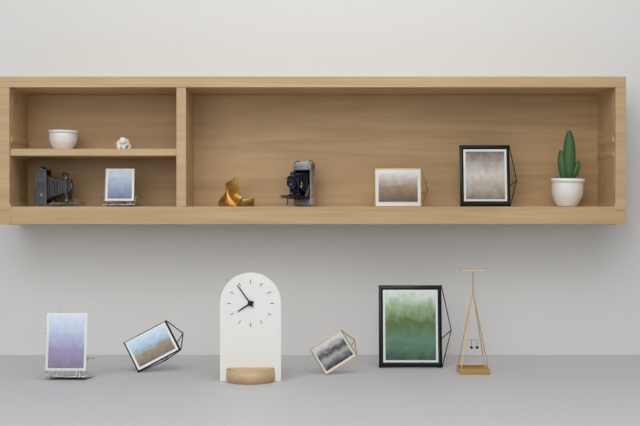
7:54
